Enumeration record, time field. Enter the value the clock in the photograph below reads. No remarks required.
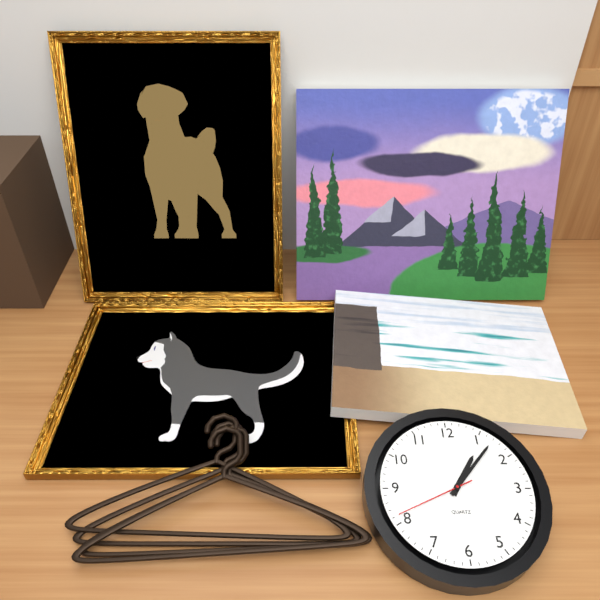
1:07:41
